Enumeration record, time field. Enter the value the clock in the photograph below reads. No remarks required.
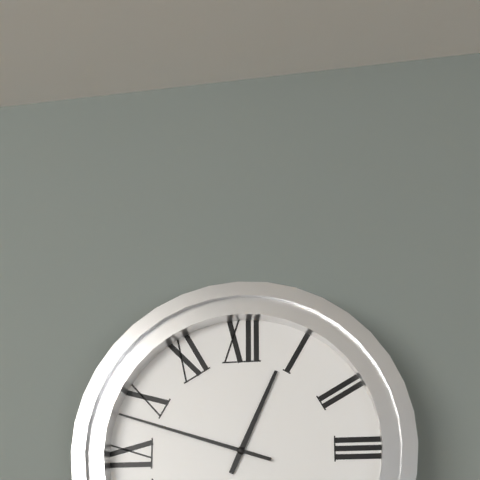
12:48
